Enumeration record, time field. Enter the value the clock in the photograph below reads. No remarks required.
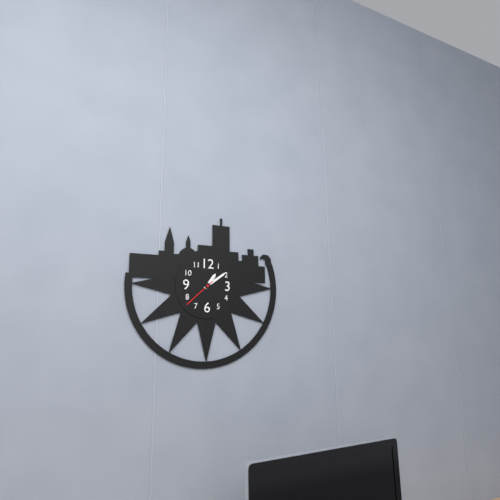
1:09
